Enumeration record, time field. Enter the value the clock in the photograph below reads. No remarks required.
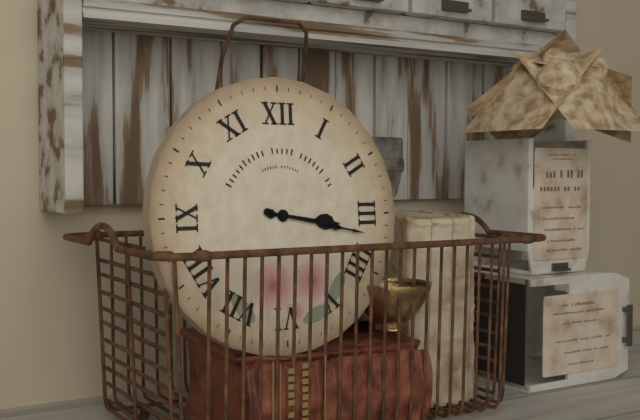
3:17
